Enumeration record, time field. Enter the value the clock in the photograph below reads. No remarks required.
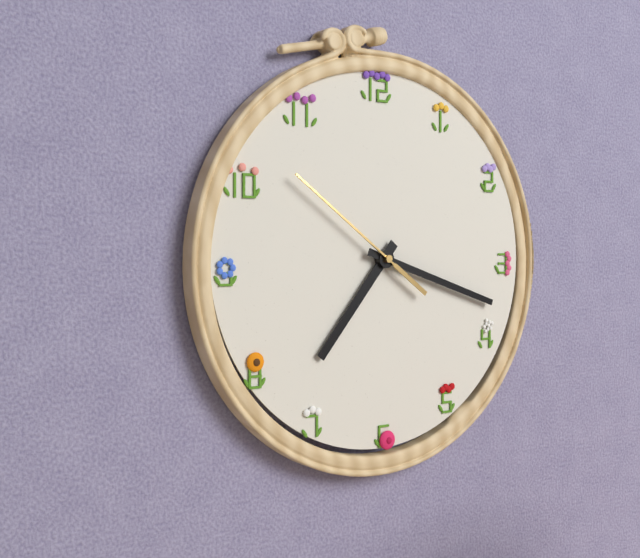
7:18:51
